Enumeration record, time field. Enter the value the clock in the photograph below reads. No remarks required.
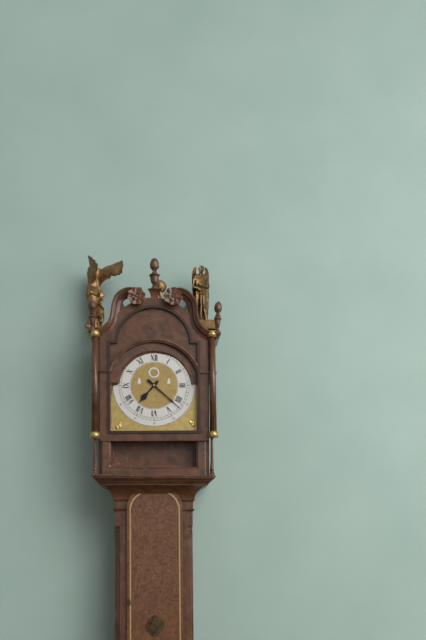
7:22
